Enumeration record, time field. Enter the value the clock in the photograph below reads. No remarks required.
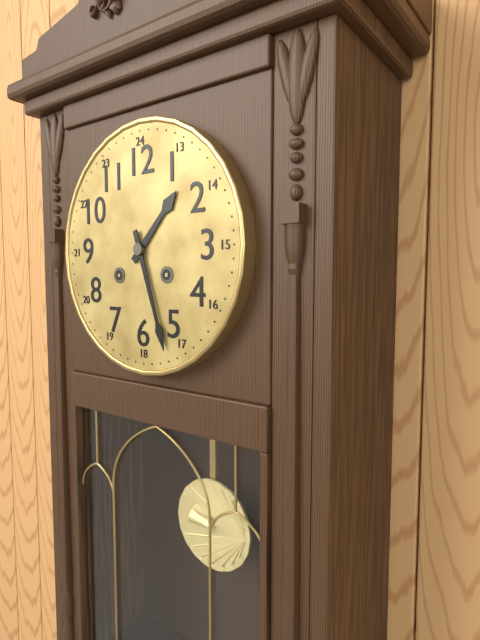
1:27
